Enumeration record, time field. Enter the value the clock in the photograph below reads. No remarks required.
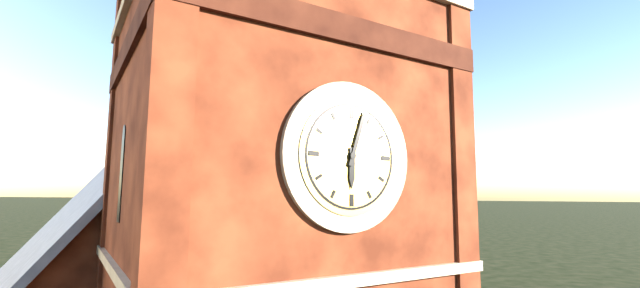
6:03
